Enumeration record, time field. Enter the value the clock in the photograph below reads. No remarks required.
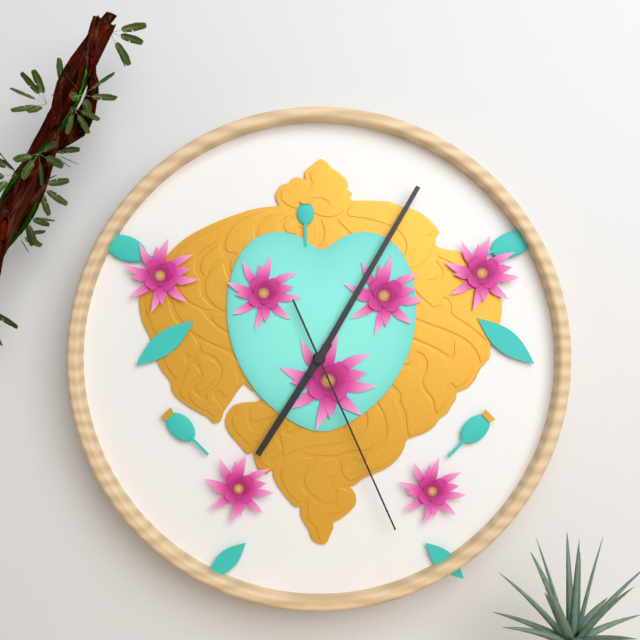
7:05:26
